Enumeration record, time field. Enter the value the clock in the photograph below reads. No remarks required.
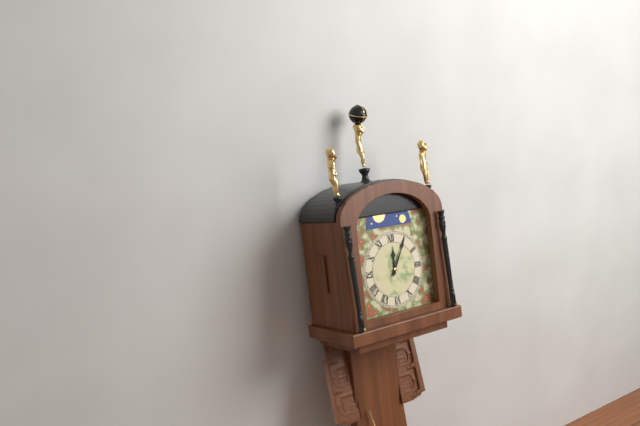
12:05
